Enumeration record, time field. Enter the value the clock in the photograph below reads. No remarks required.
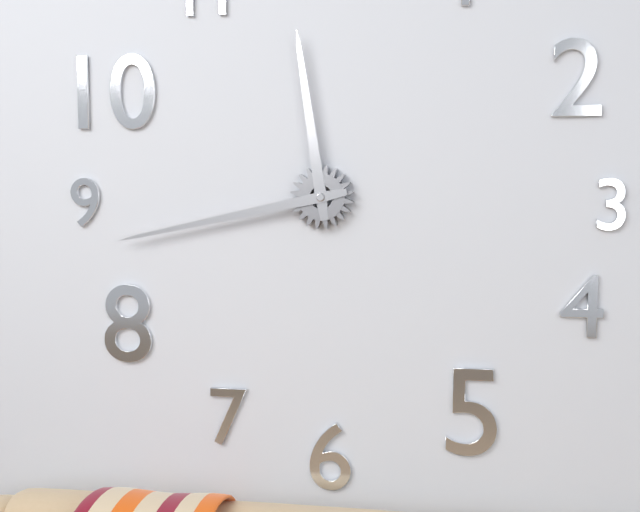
11:43
